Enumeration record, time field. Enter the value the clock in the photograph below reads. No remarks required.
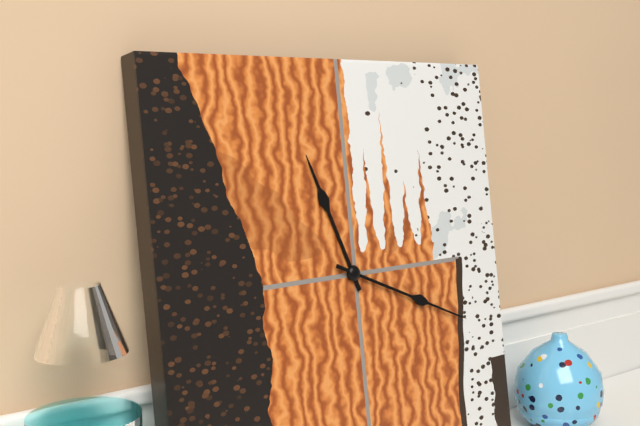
11:19
